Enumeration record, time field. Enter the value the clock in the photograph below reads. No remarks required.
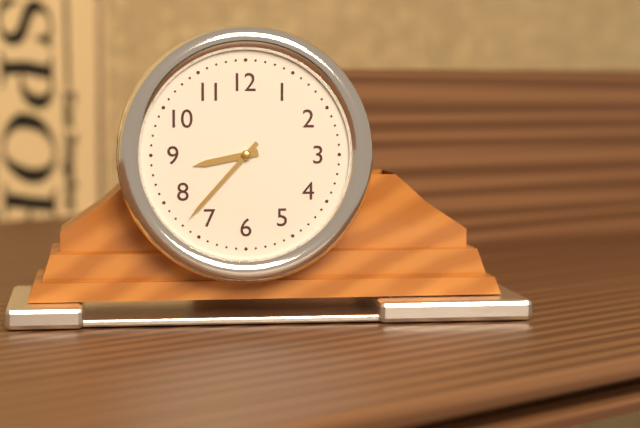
8:37
